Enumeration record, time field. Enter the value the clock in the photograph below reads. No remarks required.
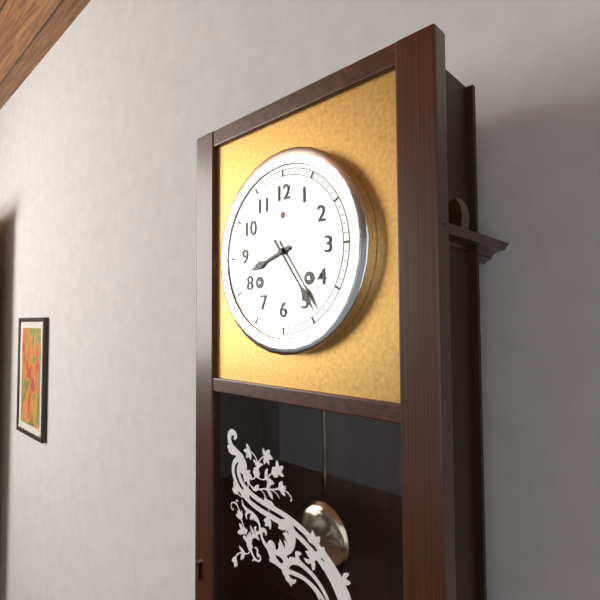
8:24
